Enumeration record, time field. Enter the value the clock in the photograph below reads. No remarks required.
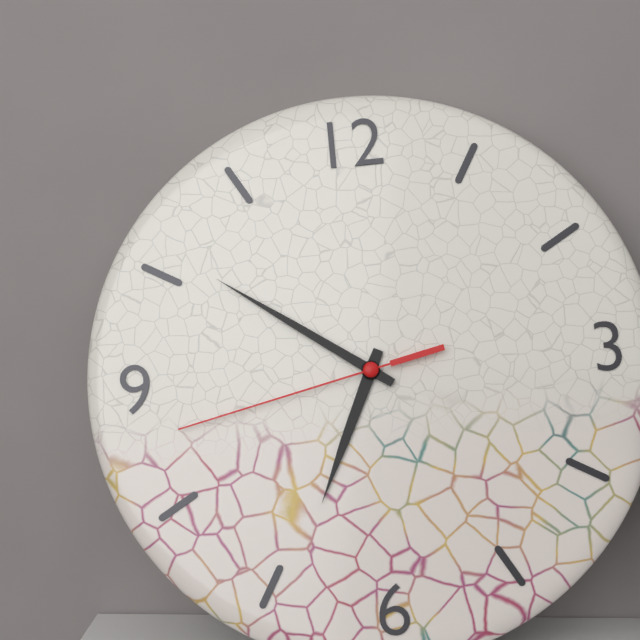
6:51:43
